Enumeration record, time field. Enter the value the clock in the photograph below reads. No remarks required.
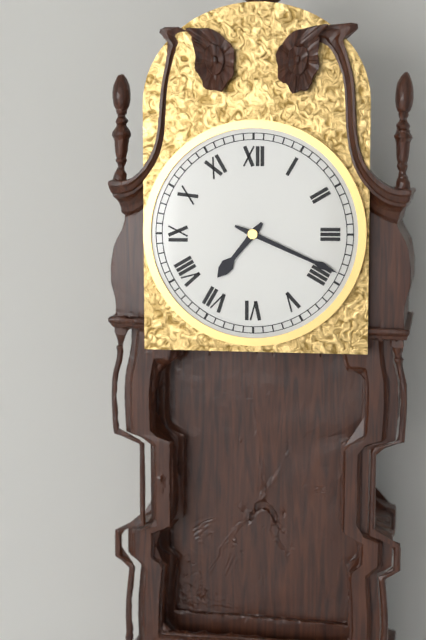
7:19
